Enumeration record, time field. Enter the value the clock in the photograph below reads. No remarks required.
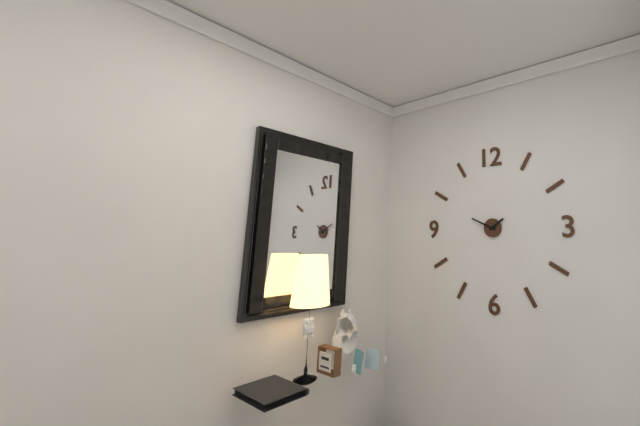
1:49
